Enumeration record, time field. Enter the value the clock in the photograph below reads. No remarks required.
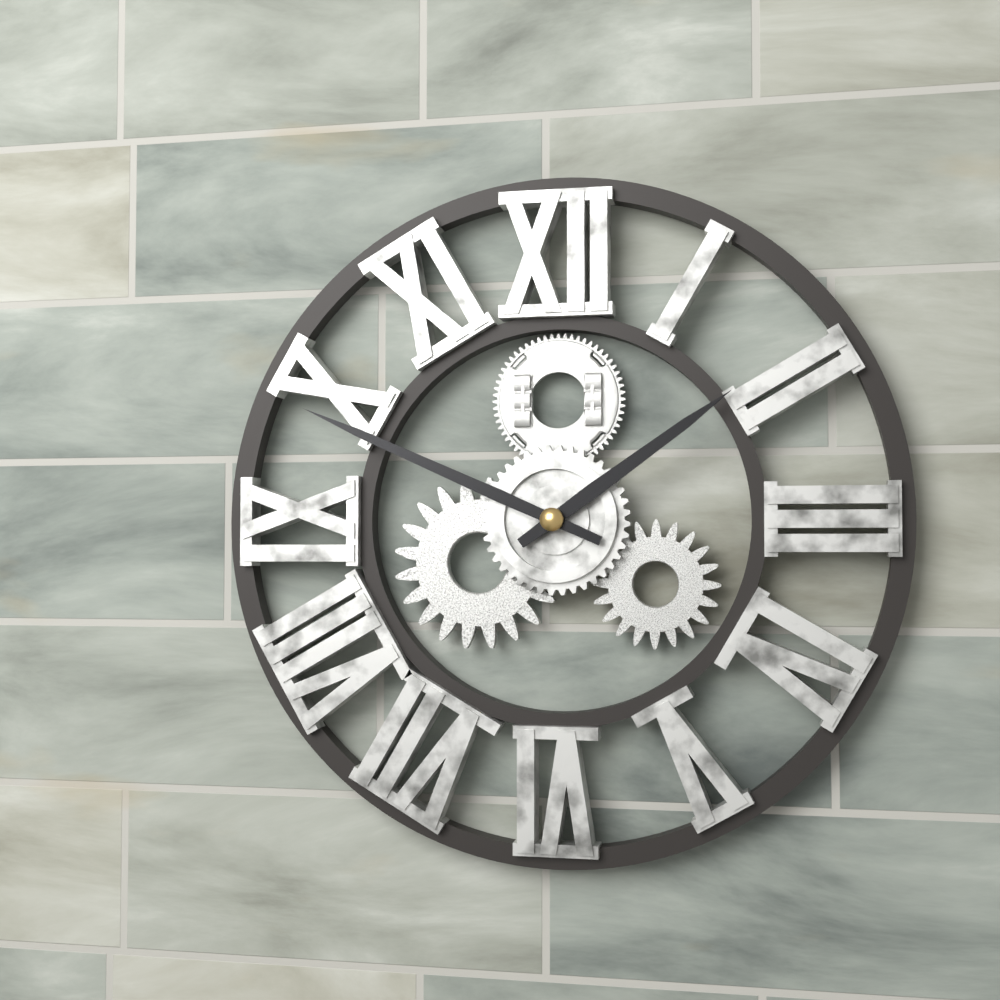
1:49
